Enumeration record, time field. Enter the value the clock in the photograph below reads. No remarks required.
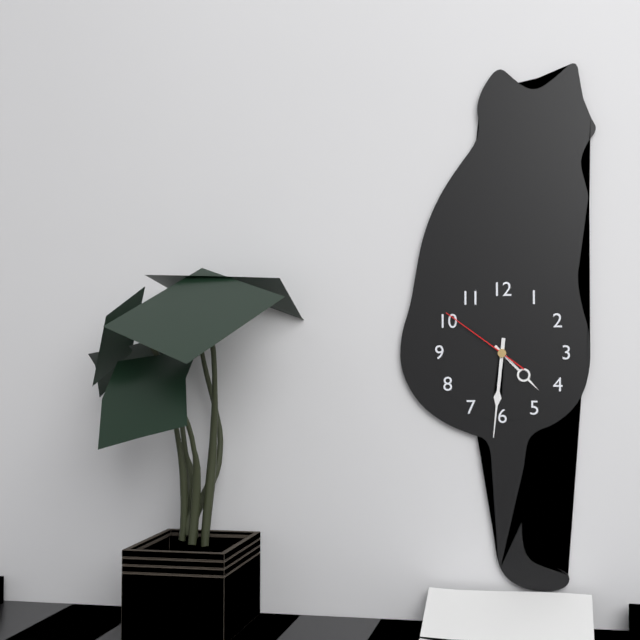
4:31:51
